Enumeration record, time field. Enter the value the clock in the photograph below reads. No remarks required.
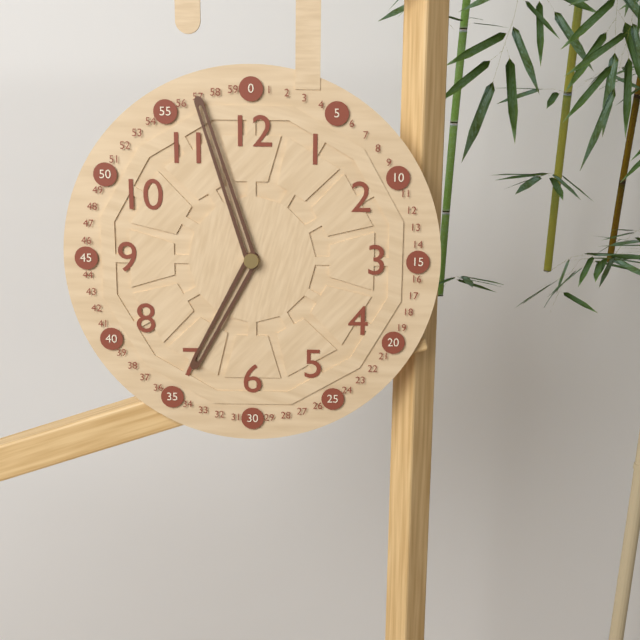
6:57
